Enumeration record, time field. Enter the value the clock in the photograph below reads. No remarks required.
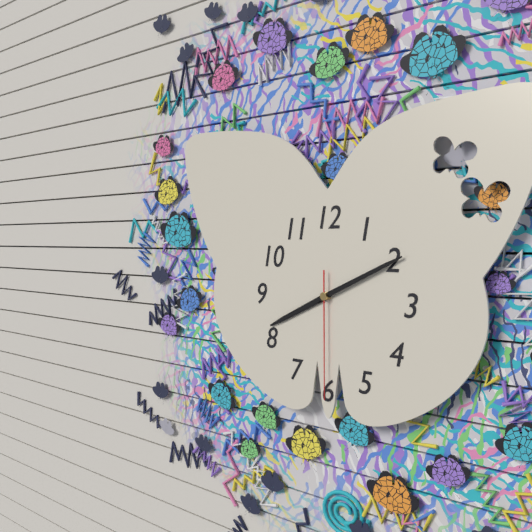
8:11:30
